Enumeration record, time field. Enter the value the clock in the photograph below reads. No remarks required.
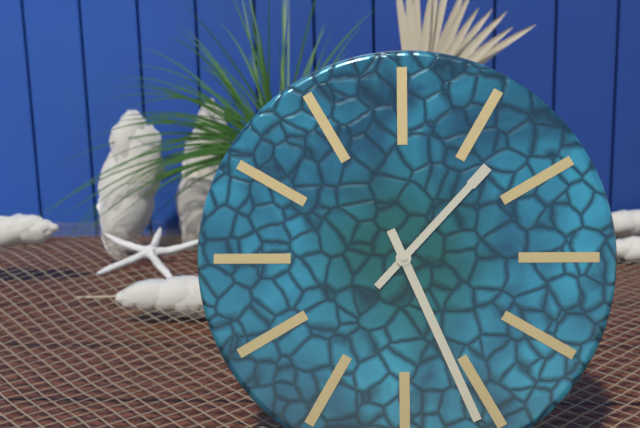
1:26
